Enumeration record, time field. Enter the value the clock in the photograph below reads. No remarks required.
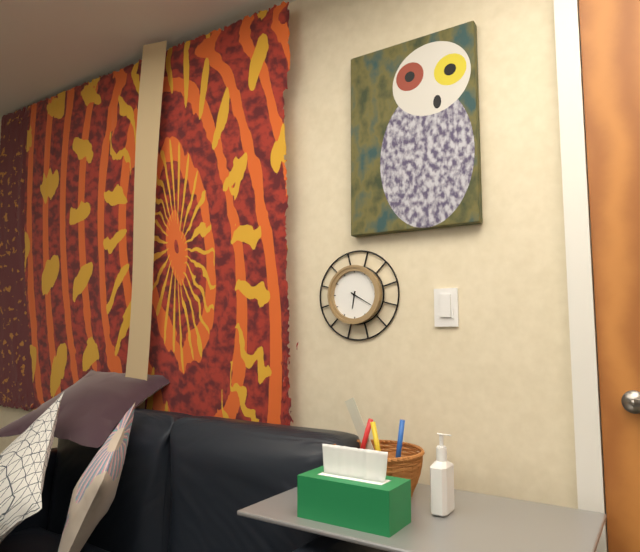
6:20
